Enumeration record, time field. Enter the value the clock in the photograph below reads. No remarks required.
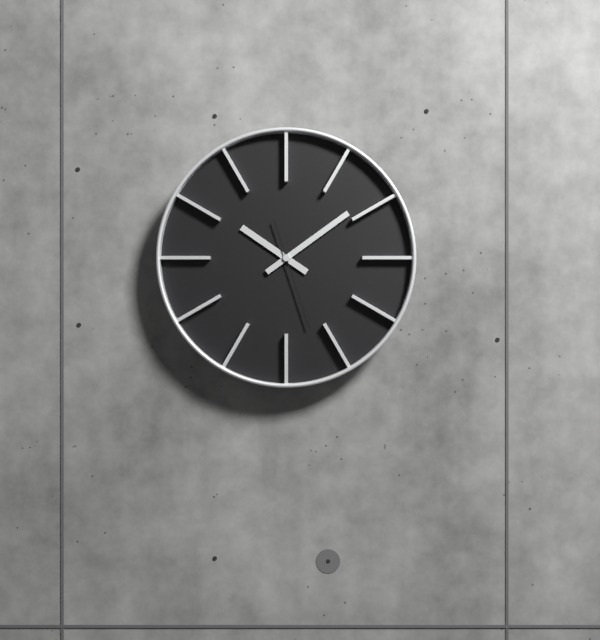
10:09:27
